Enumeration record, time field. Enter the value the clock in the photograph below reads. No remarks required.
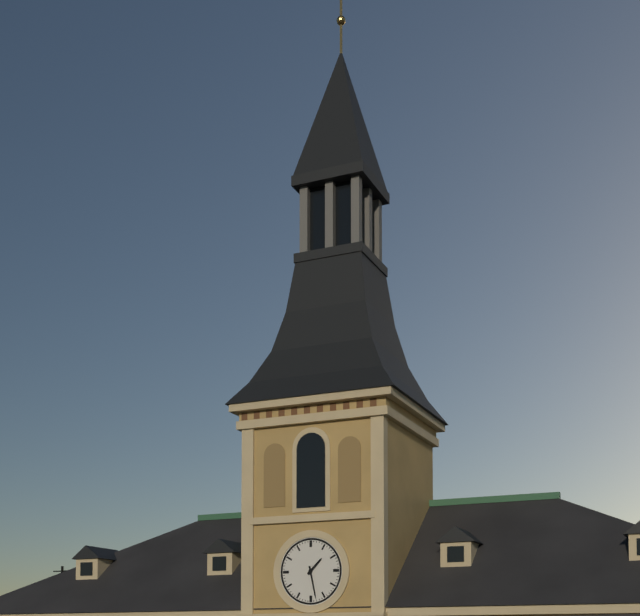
1:28
